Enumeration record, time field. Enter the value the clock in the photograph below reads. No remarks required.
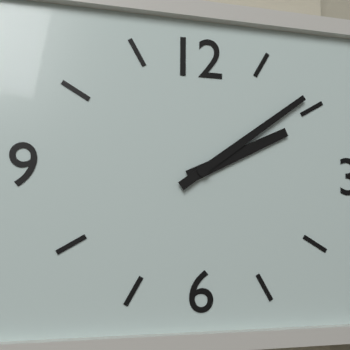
2:09
